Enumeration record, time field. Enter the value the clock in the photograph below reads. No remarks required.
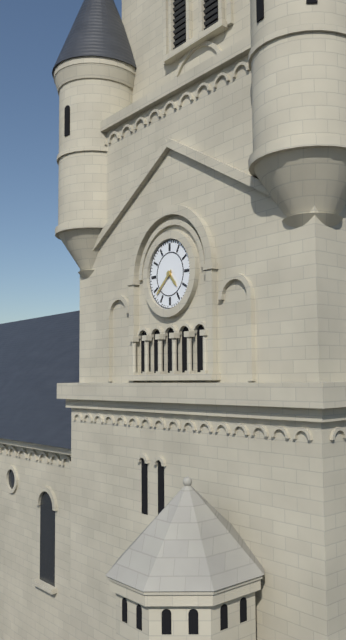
4:38
